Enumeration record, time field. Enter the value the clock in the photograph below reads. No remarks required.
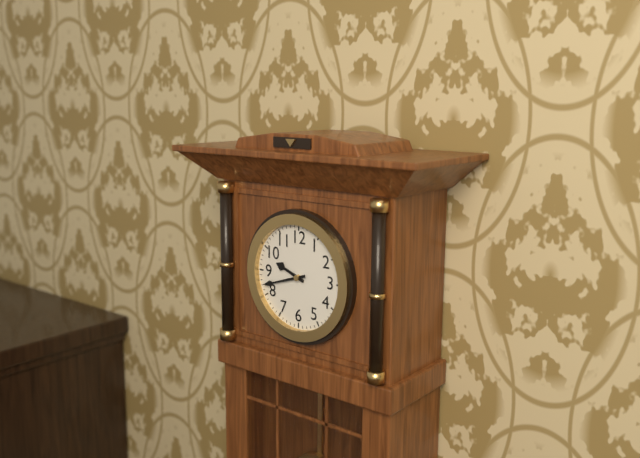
9:42
